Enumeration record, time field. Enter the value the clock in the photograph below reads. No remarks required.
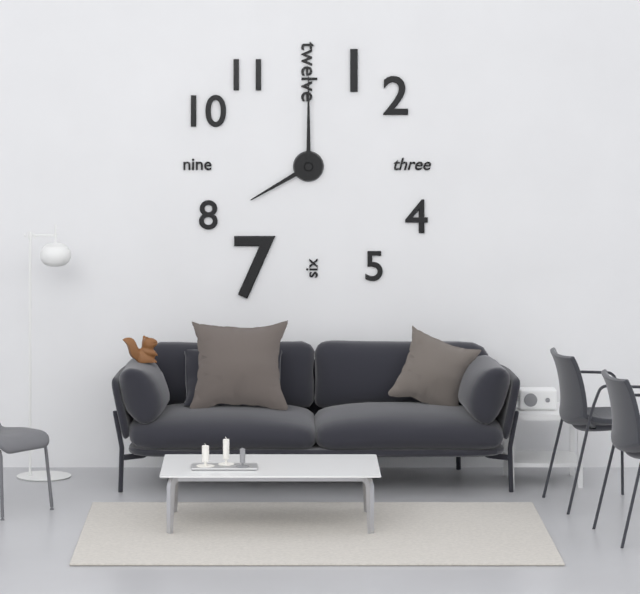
8:00
